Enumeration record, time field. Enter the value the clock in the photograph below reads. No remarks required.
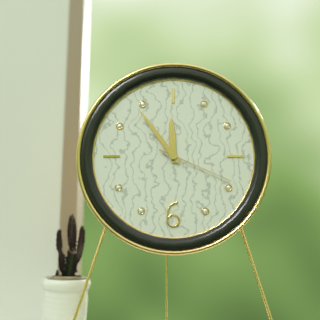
11:54:19
